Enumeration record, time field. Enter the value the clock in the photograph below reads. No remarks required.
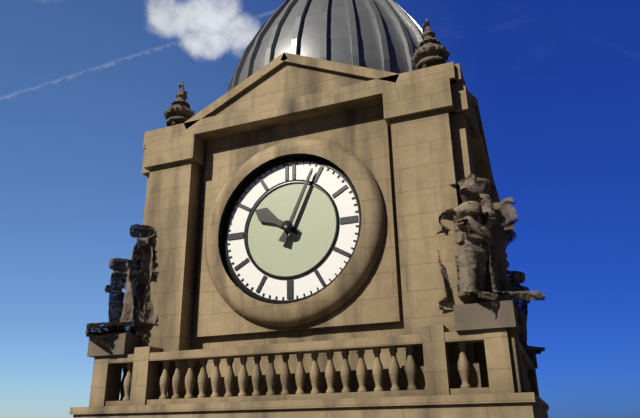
10:04
